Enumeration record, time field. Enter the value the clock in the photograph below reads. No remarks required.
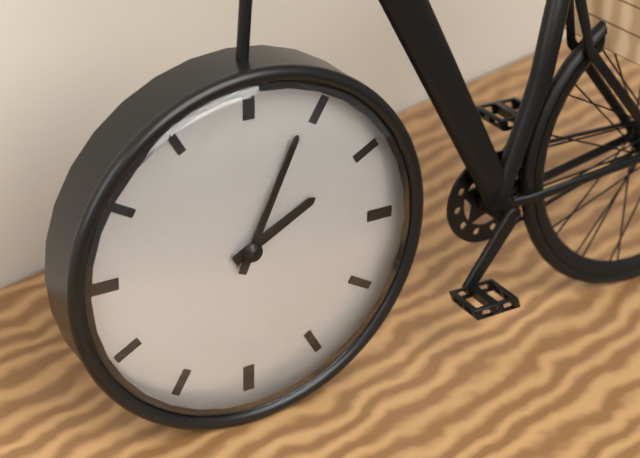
2:04
